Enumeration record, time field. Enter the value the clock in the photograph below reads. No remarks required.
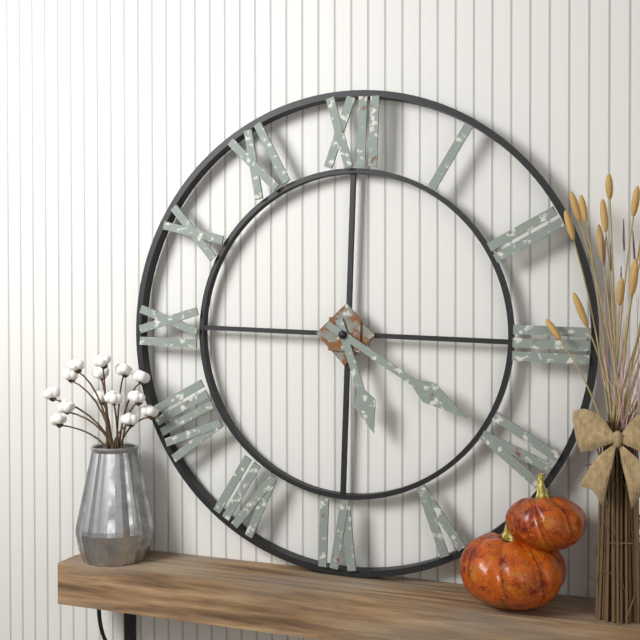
5:20
